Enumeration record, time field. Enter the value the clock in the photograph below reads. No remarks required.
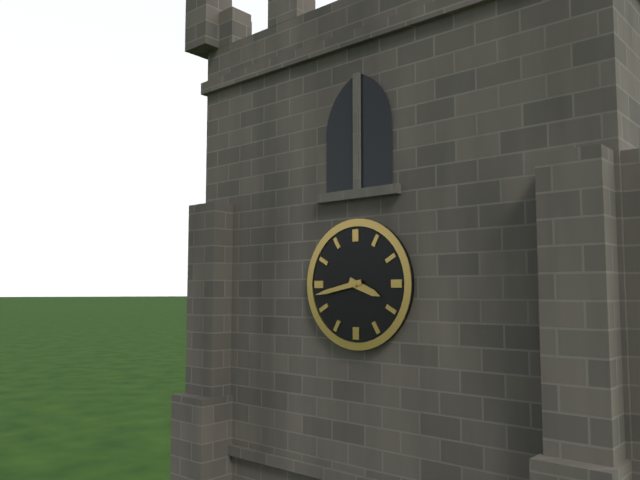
3:43
